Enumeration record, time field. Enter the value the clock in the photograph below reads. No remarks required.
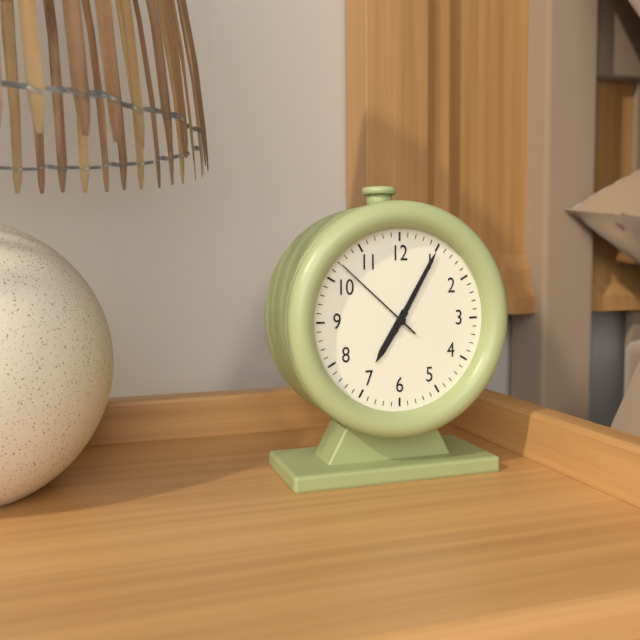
7:05:52
